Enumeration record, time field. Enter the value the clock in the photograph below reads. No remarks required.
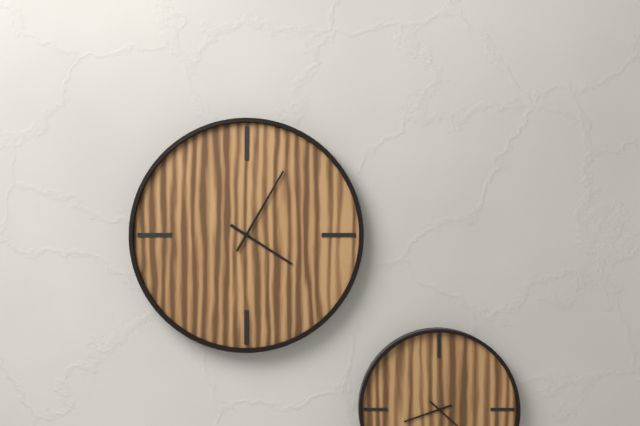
4:05
